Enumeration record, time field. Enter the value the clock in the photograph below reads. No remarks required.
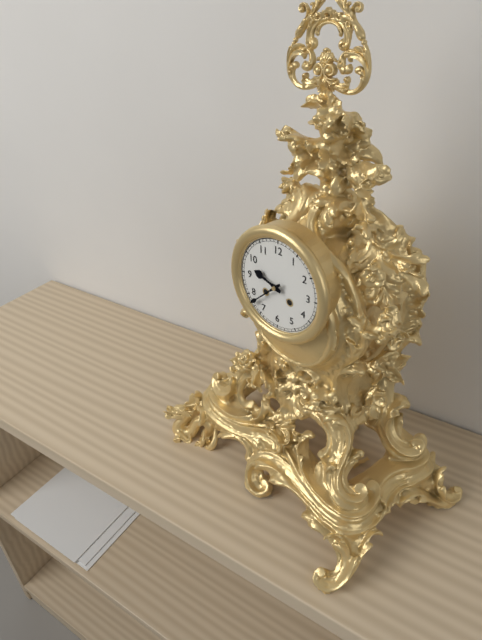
9:38
